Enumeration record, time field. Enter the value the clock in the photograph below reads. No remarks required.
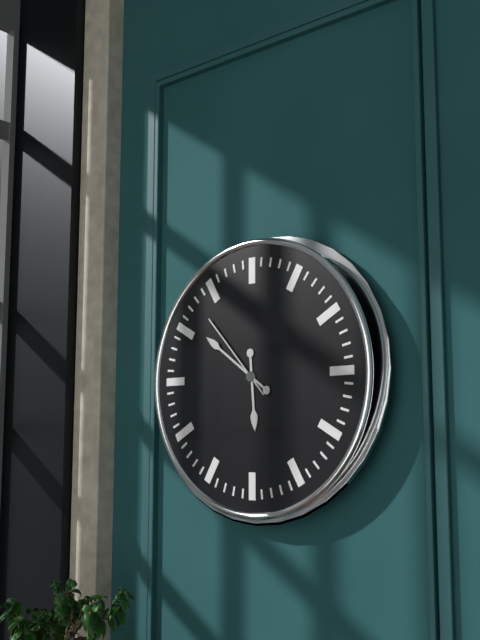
5:51:53
